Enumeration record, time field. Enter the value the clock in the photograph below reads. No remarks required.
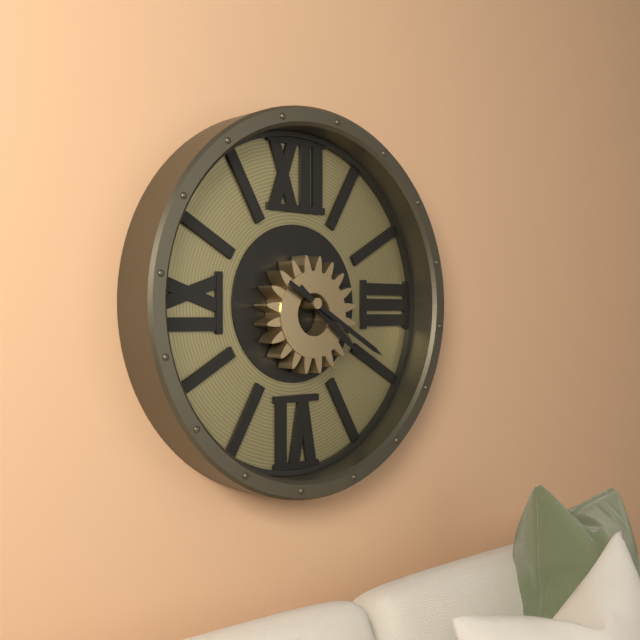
4:20
